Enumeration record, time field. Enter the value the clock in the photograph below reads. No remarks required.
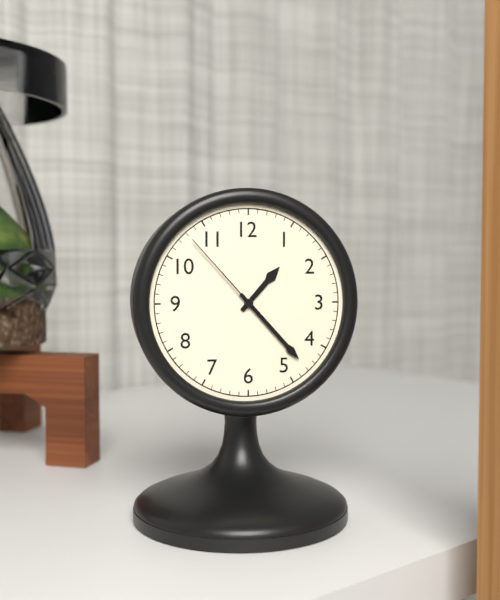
1:23:53
